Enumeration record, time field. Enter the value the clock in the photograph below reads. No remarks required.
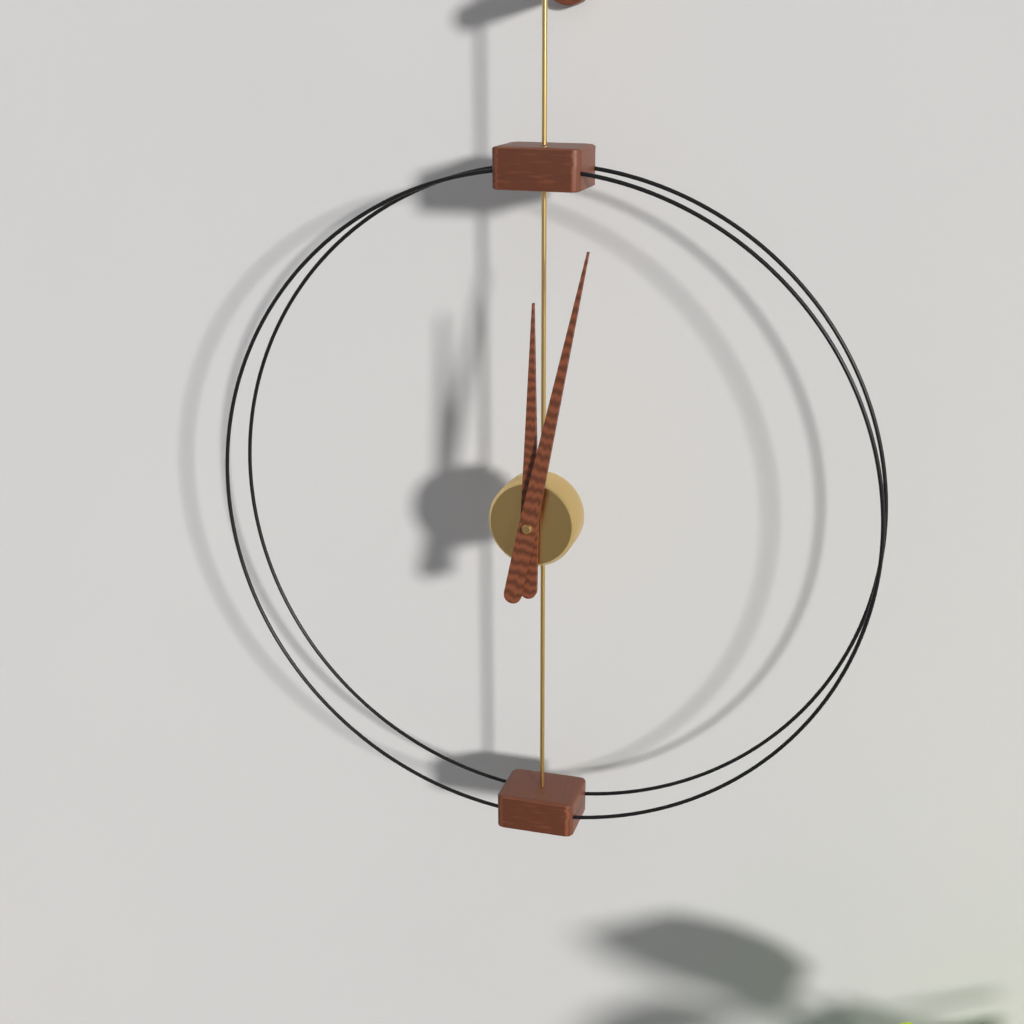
12:02
